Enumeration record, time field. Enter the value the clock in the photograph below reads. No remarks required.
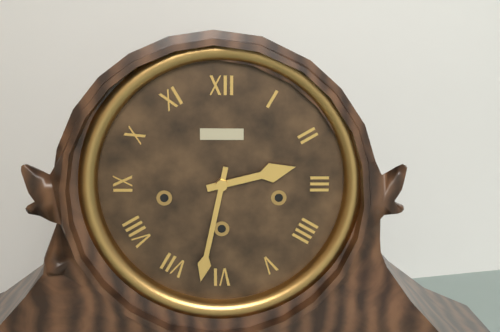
2:32
